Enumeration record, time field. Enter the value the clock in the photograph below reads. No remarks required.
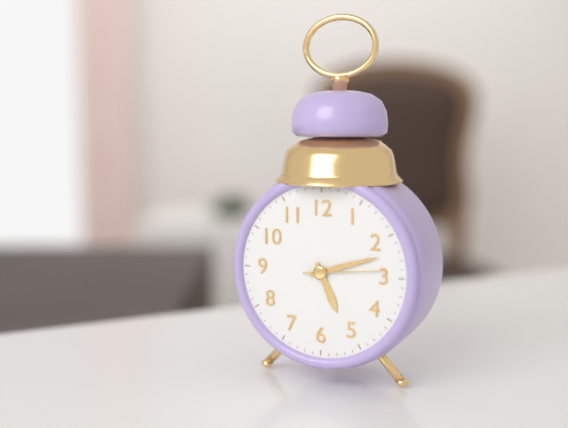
5:12:14
